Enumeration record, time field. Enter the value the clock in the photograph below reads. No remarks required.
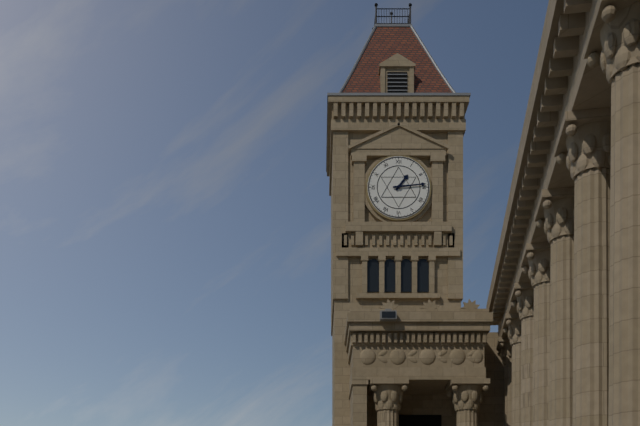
1:14
